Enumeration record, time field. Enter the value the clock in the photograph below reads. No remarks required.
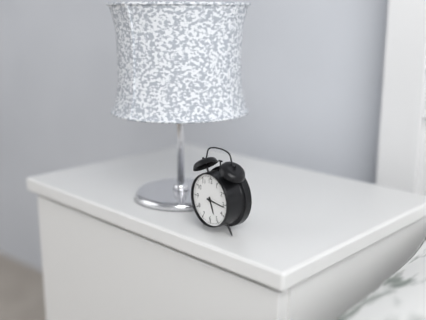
5:16
